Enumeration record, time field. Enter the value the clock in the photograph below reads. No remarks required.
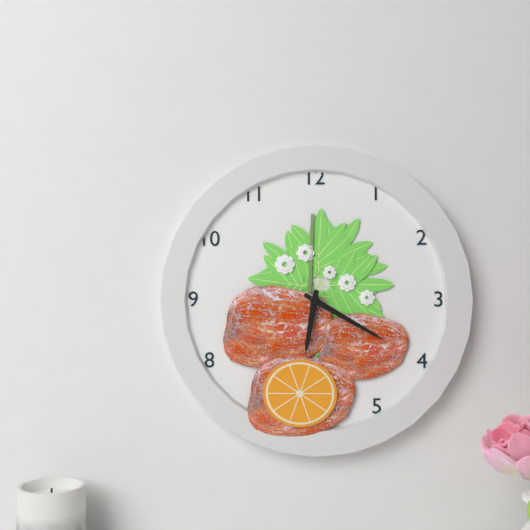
6:20
